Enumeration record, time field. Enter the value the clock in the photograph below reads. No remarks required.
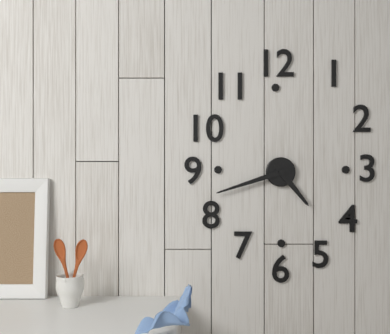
4:42
